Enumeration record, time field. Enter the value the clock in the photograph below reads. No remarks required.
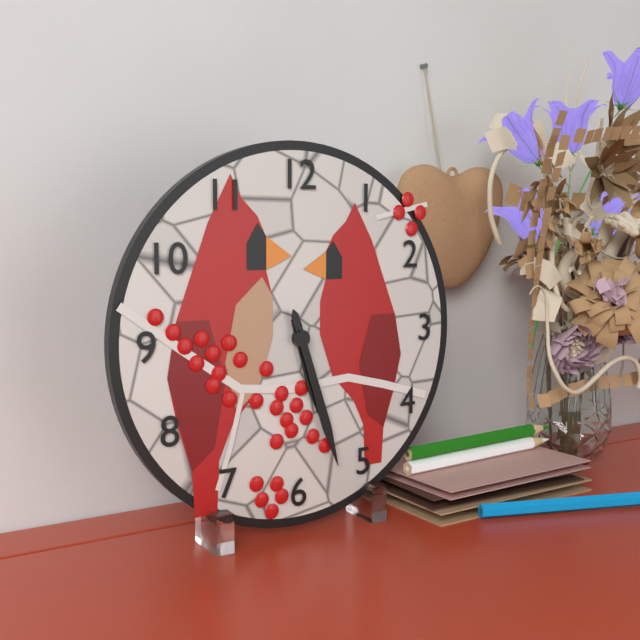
5:27
